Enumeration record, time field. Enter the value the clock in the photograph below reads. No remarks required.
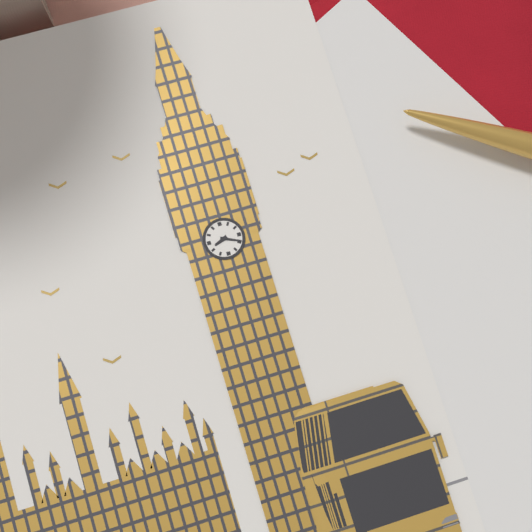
8:19
